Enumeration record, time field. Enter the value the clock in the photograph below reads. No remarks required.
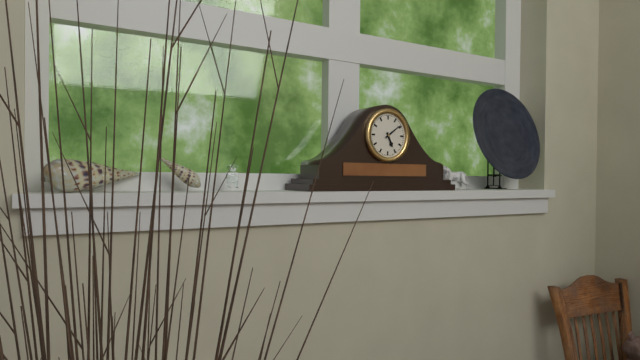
5:09
